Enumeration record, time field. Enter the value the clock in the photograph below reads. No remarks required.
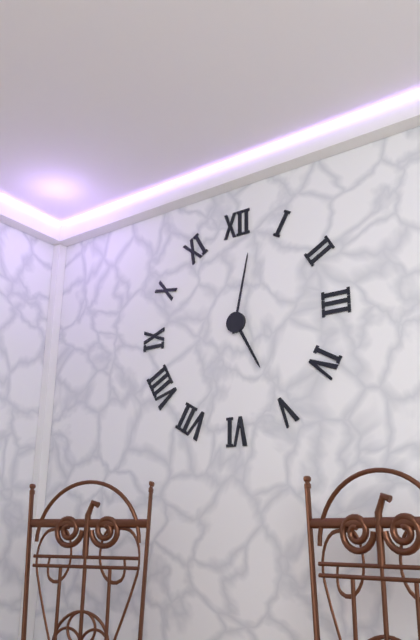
5:02
